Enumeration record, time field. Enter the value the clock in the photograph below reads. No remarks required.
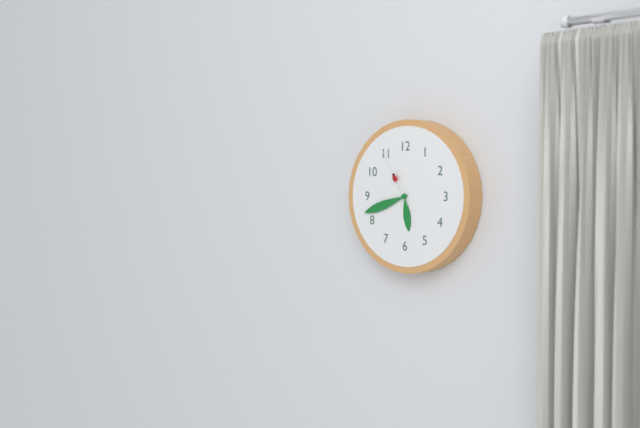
5:42:55
